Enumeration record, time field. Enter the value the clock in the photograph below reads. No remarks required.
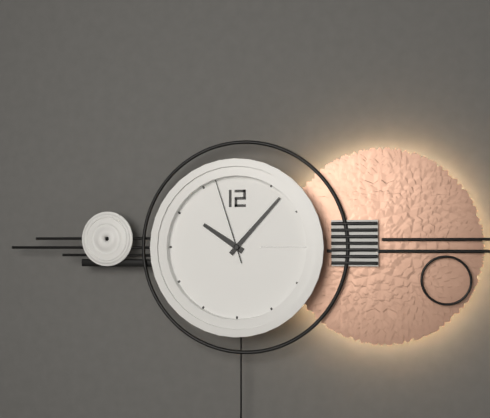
10:07:57
